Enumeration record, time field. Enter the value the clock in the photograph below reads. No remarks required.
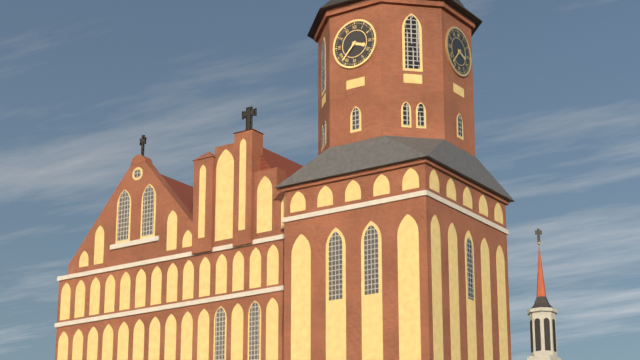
3:37
